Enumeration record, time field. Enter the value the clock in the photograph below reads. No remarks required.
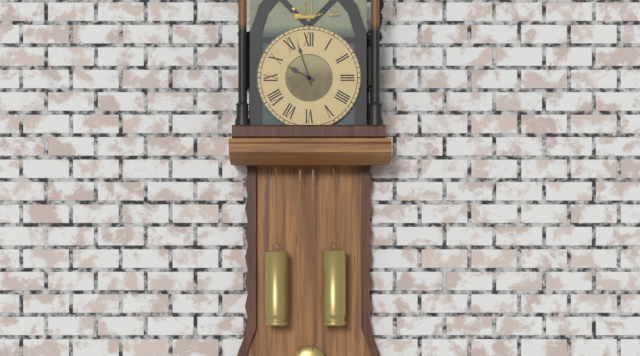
9:57
